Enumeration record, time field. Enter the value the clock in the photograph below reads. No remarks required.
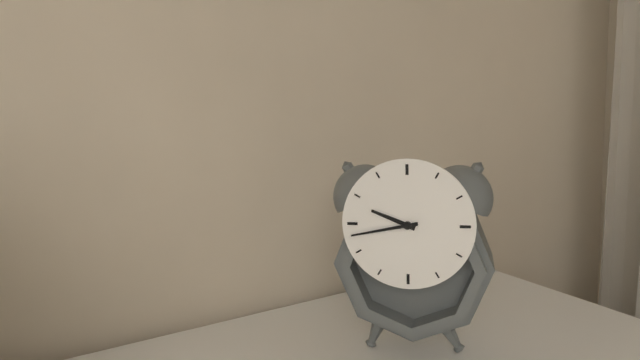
9:43
